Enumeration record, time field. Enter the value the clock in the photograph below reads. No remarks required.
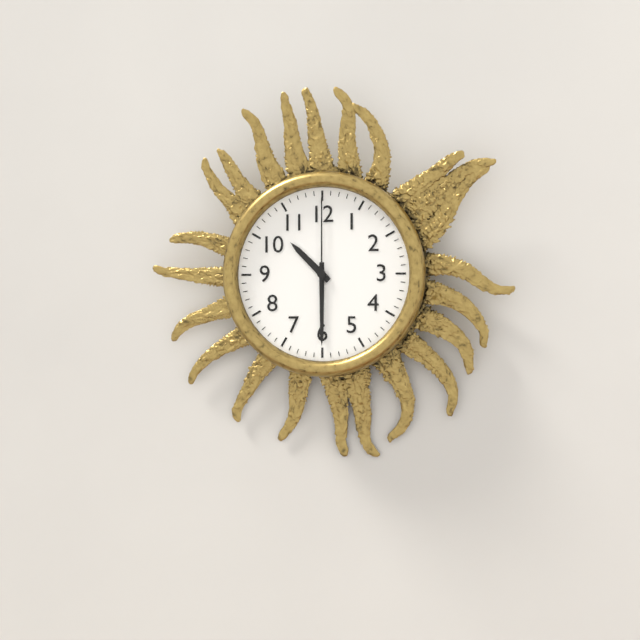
10:30:00
